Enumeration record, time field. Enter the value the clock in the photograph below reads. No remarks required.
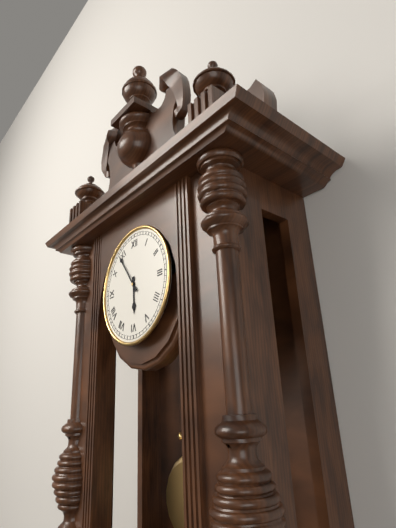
5:54
